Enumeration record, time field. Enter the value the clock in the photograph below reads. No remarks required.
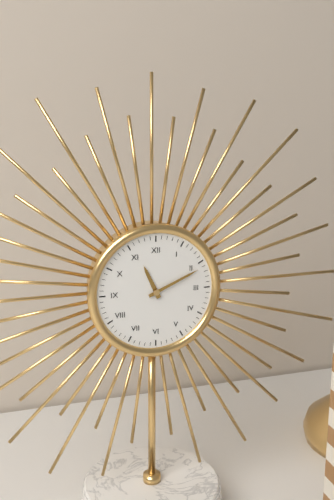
11:11
